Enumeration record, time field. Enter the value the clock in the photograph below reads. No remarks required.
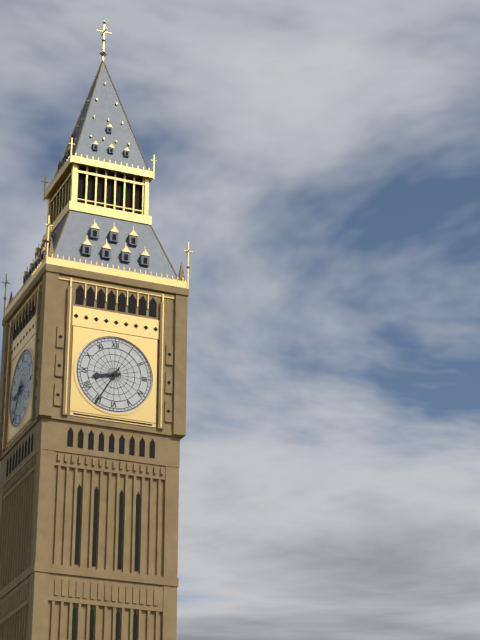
8:35
